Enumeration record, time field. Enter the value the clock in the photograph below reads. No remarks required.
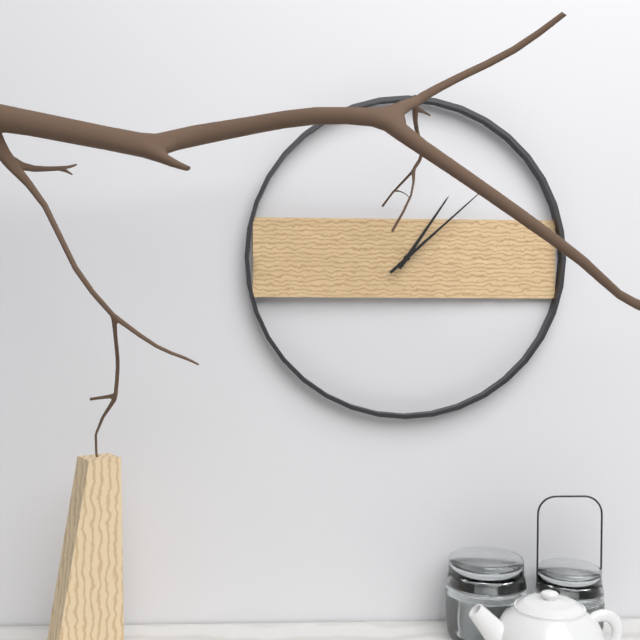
1:08
